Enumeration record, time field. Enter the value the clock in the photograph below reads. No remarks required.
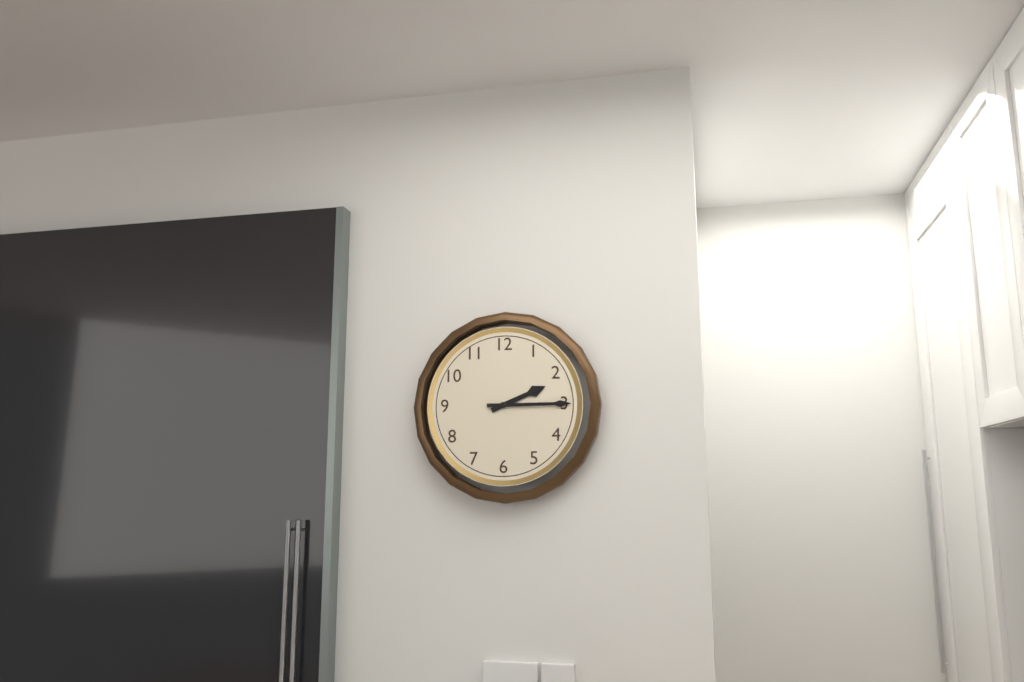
2:15
